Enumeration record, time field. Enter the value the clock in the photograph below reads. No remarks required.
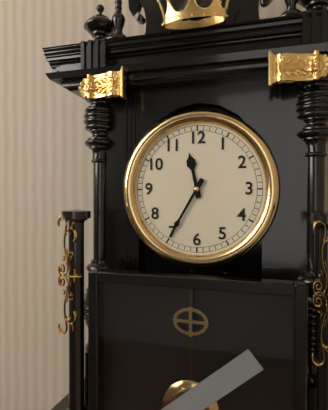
11:35
